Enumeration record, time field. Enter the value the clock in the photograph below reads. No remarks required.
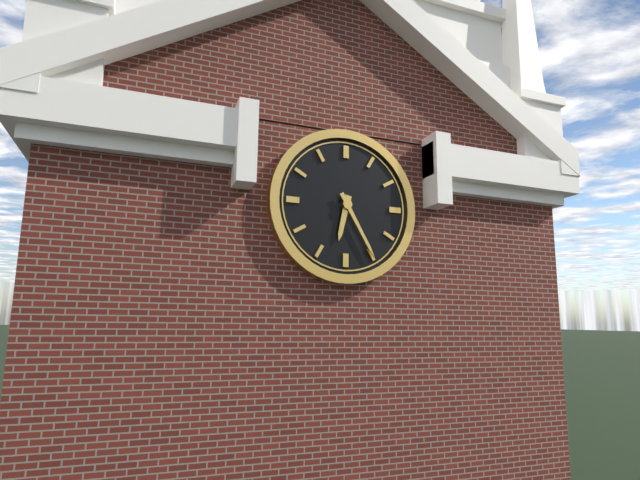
6:25
